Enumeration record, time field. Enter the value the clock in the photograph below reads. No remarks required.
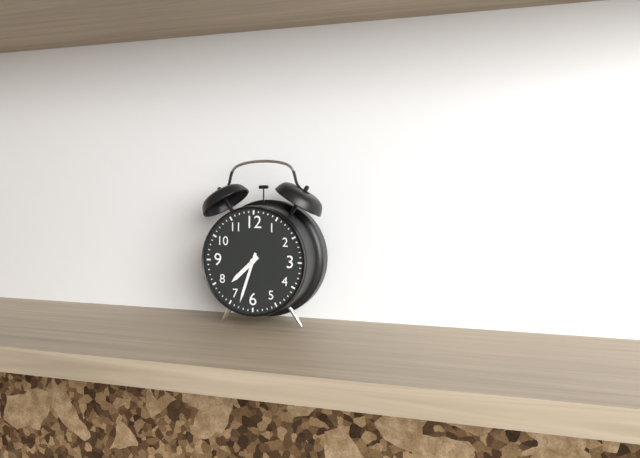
7:33
